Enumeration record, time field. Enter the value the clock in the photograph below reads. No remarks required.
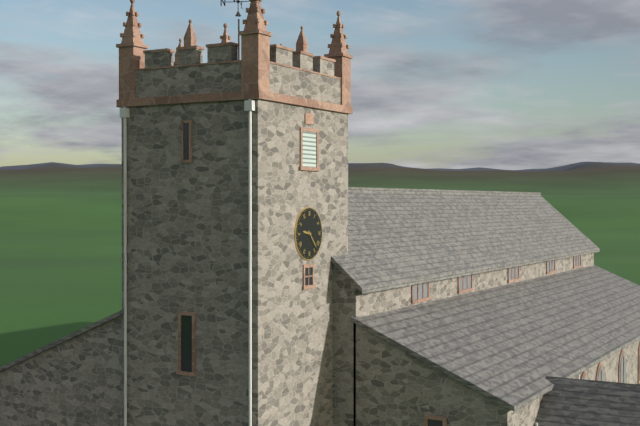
9:23
